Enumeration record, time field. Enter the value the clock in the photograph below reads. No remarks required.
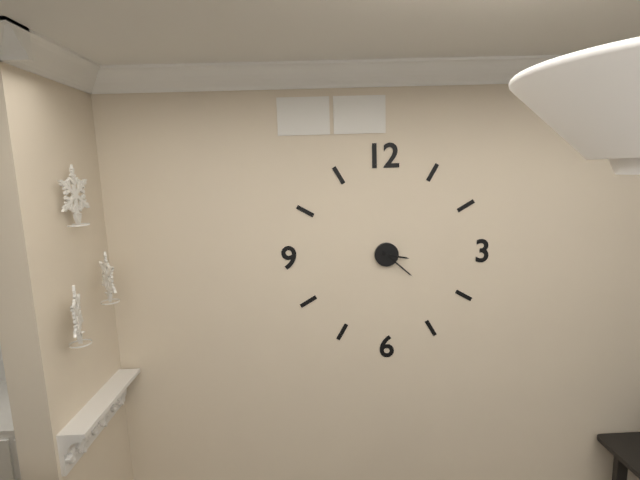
3:22
